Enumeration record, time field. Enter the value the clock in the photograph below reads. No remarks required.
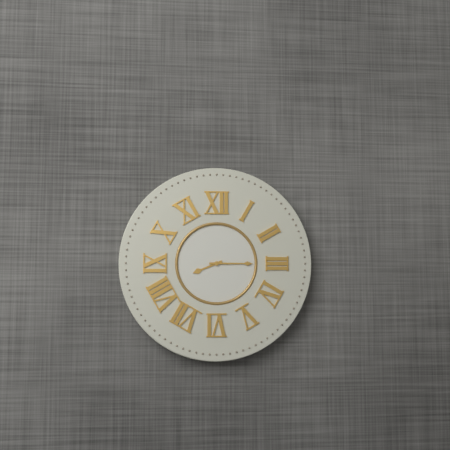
8:15
